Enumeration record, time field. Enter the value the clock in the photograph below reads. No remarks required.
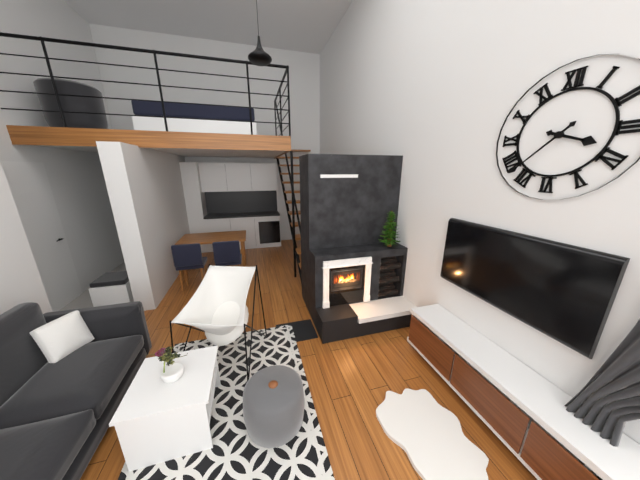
3:38
